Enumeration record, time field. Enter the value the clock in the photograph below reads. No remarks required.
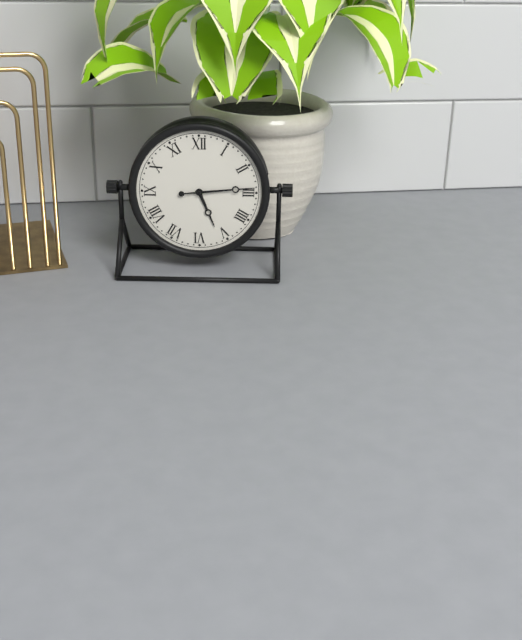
5:14
